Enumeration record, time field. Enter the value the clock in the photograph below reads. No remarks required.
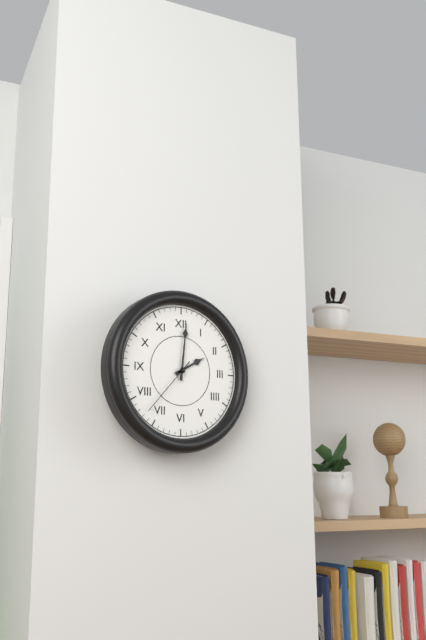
2:01:37
